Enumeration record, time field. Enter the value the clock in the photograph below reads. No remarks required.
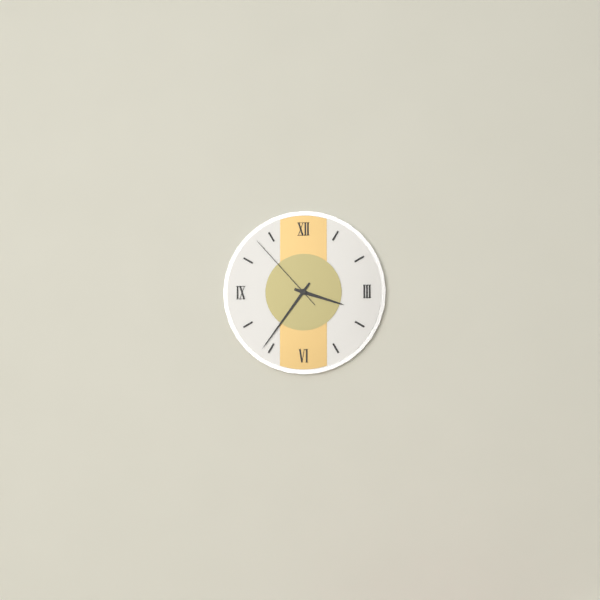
3:36:53
